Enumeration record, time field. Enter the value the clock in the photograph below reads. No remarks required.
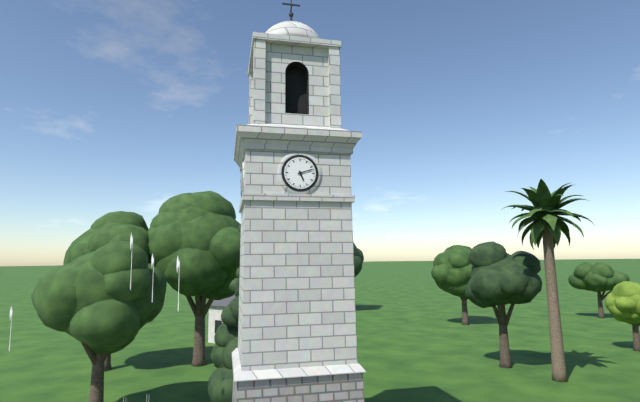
5:12
